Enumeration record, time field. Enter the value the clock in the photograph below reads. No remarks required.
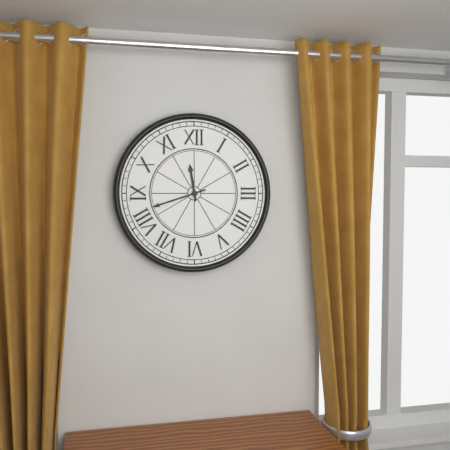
11:42
